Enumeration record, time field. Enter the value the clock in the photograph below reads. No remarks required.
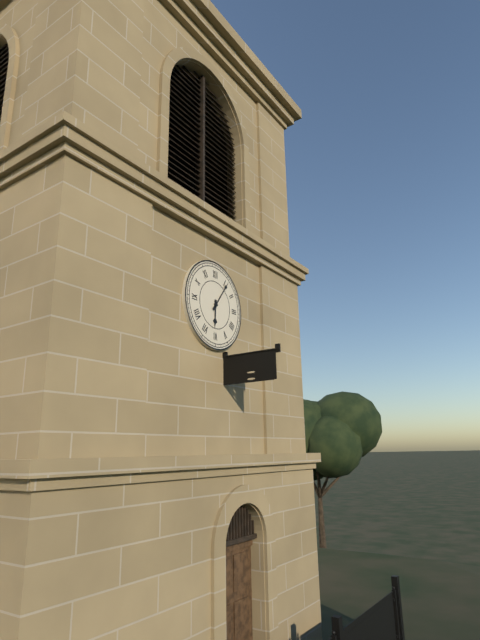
6:06
